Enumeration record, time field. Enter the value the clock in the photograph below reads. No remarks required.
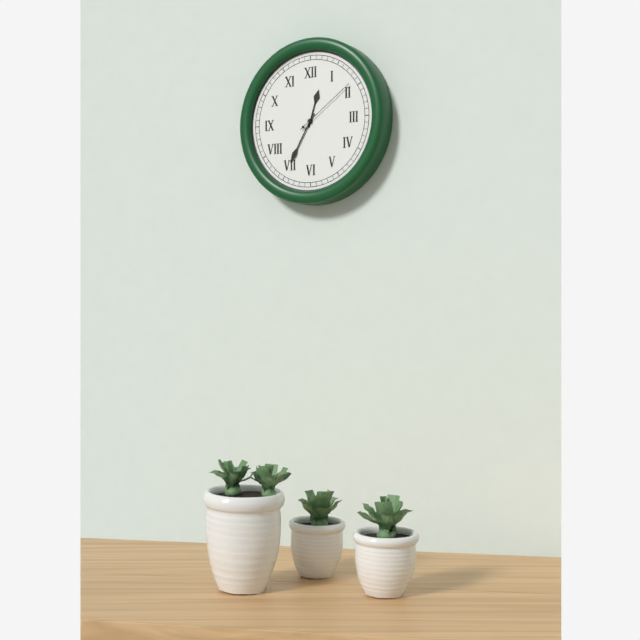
12:35:09
